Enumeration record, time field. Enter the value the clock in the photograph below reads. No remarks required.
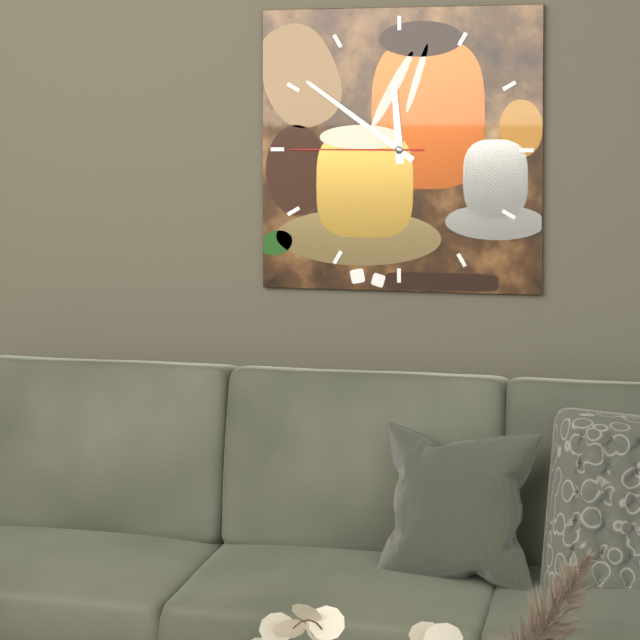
11:51:45
